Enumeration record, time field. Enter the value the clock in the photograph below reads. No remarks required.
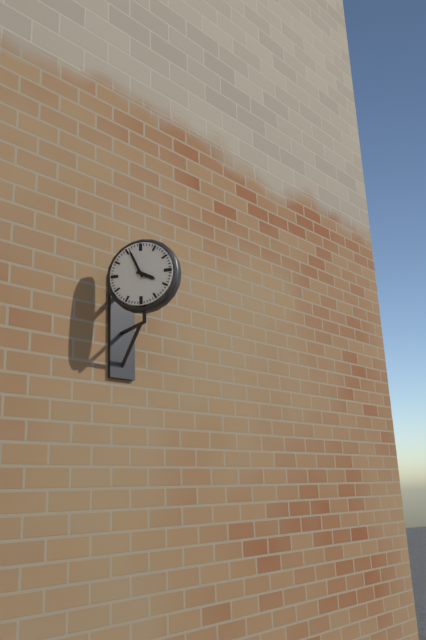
3:56
